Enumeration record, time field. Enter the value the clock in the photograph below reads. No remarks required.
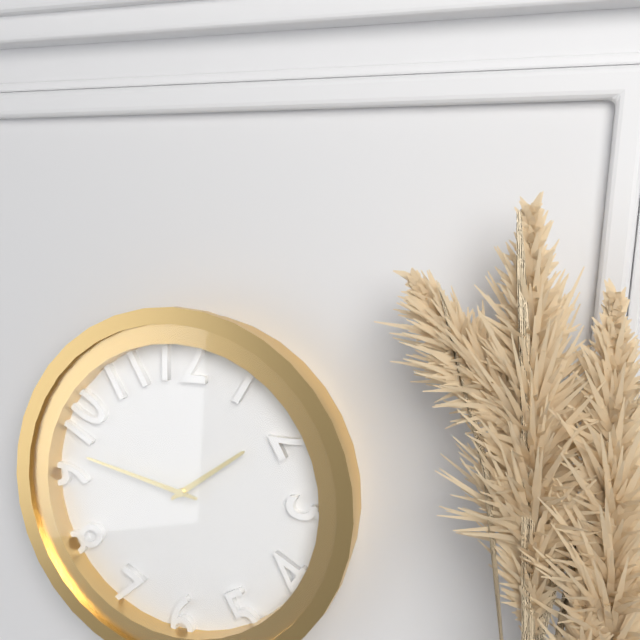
1:47
